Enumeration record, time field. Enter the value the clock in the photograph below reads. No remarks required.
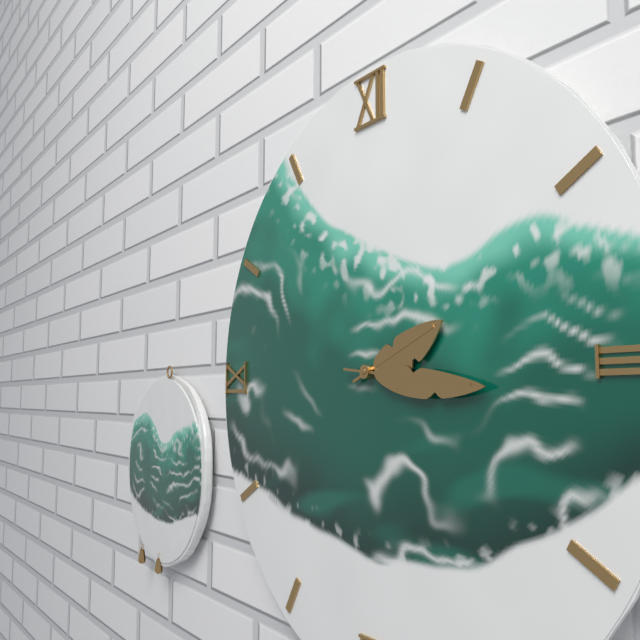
2:16
